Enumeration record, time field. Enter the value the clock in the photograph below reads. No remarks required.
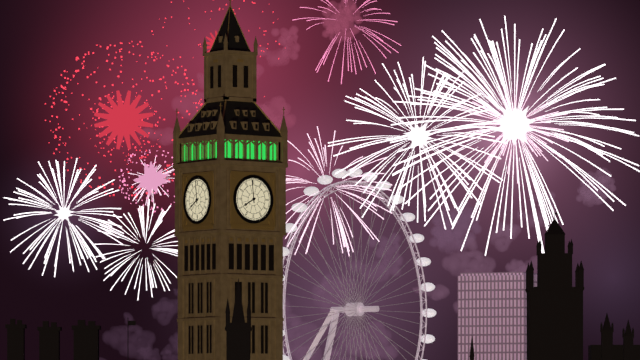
7:59
